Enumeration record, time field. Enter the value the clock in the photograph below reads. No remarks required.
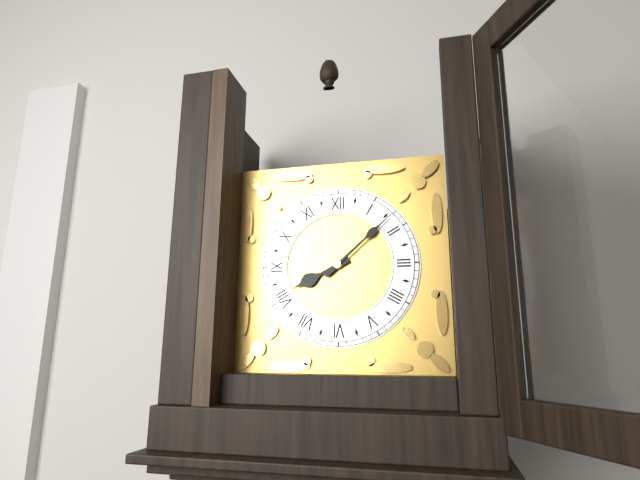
8:08
